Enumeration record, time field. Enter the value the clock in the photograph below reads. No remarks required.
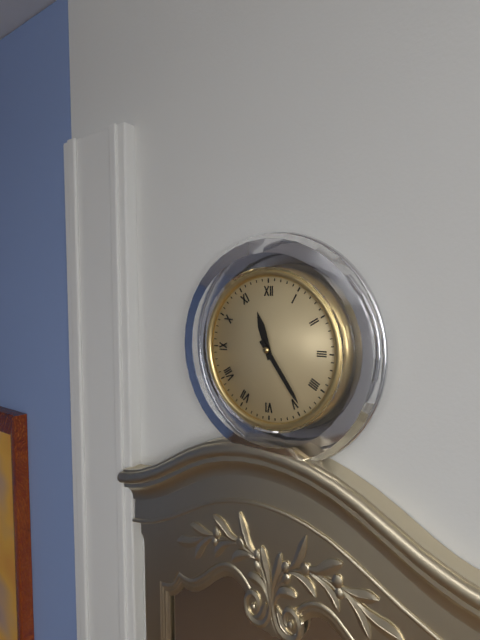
11:24
